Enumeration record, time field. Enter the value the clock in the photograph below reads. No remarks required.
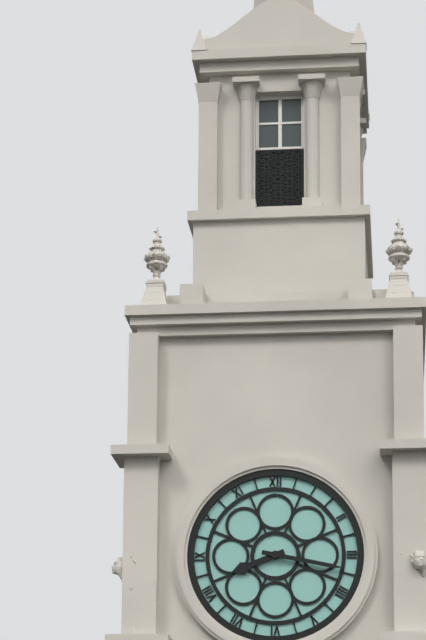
8:17
